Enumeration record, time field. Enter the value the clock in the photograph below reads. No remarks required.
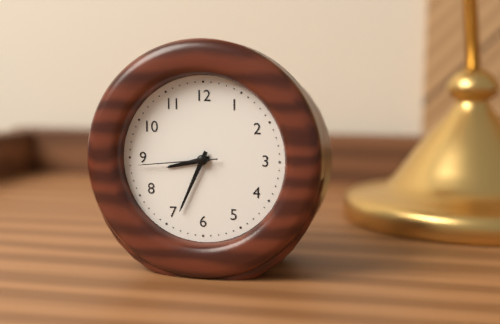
8:34:44
